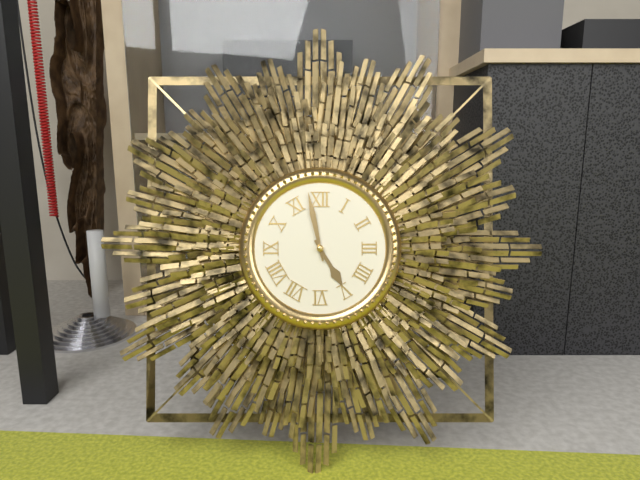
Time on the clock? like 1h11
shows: 4h58
